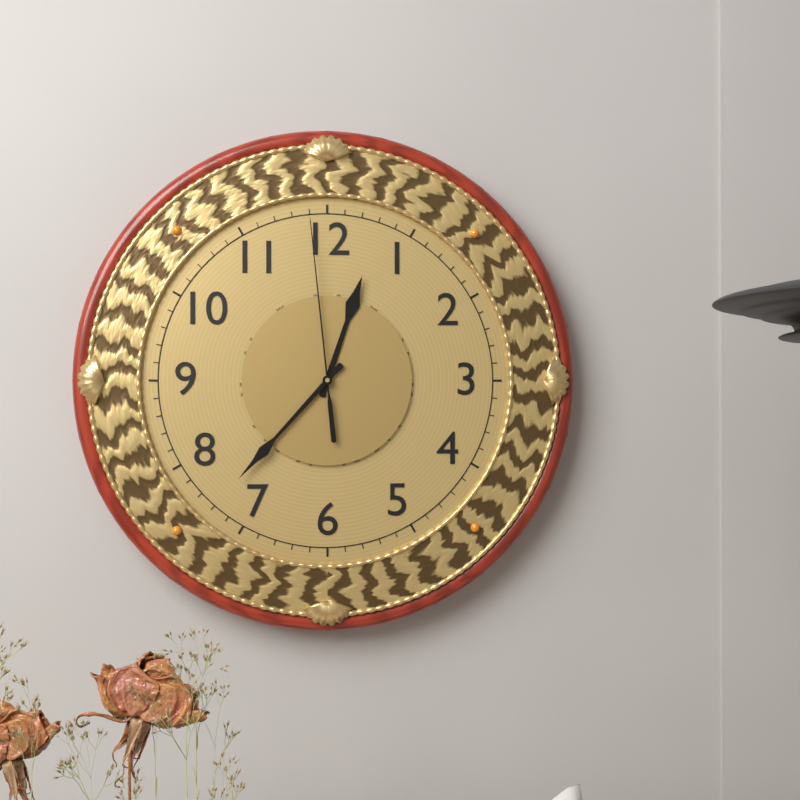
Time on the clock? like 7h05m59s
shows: 12h37m59s
